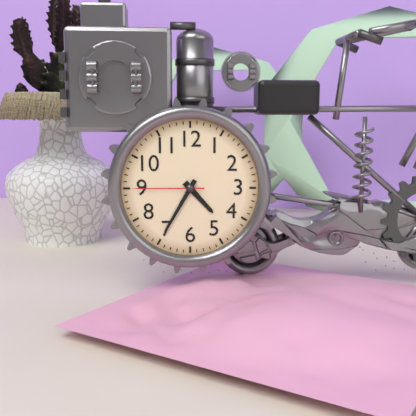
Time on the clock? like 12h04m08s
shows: 4h35m45s
